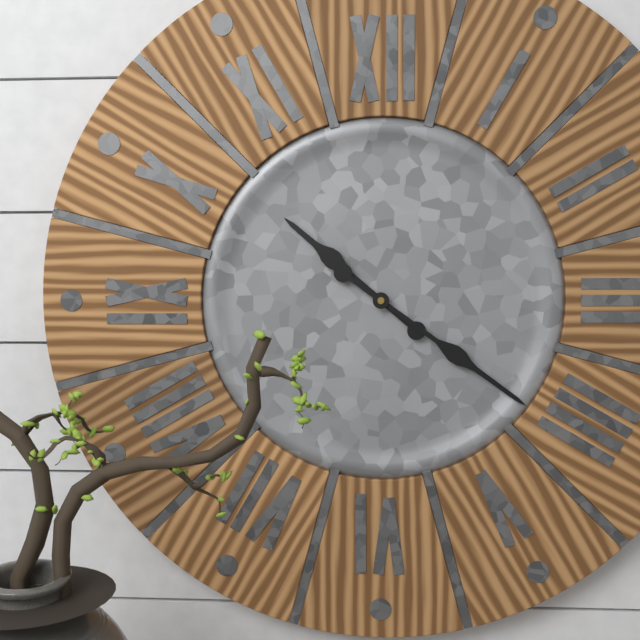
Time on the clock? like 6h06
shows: 10h21
